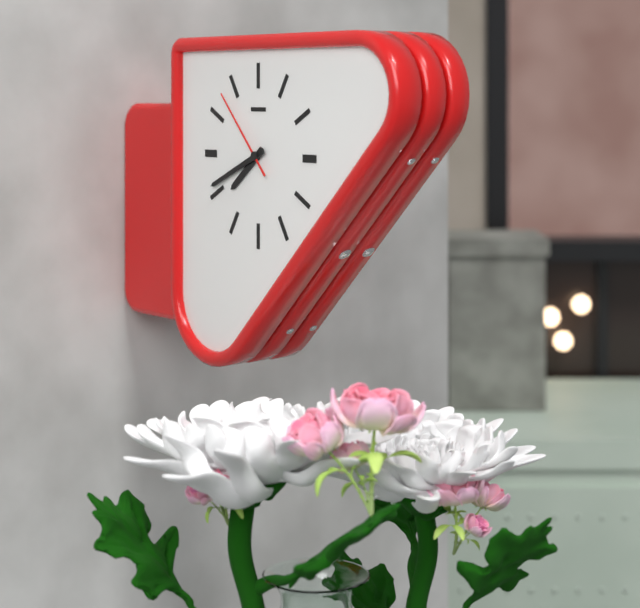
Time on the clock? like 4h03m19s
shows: 7h41m53s
